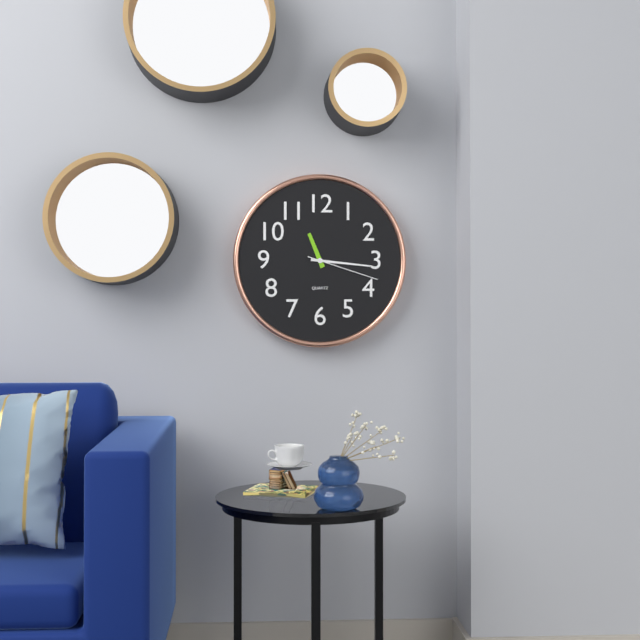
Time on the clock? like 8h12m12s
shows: 11h16m18s
